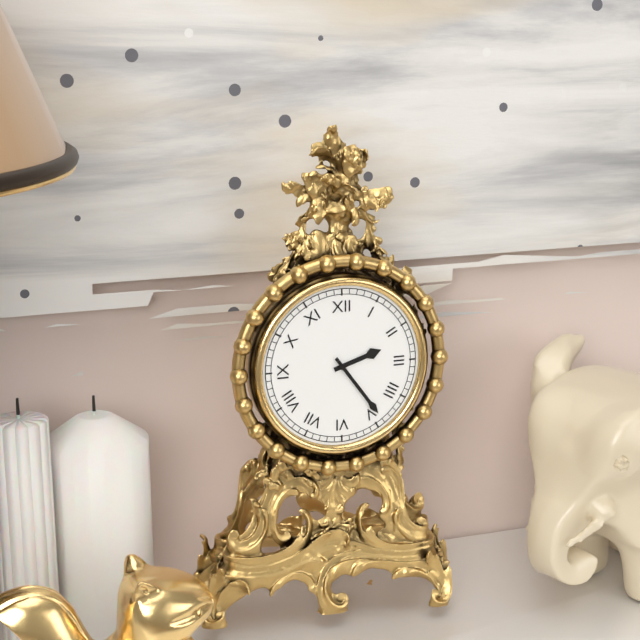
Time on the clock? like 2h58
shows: 2h24
